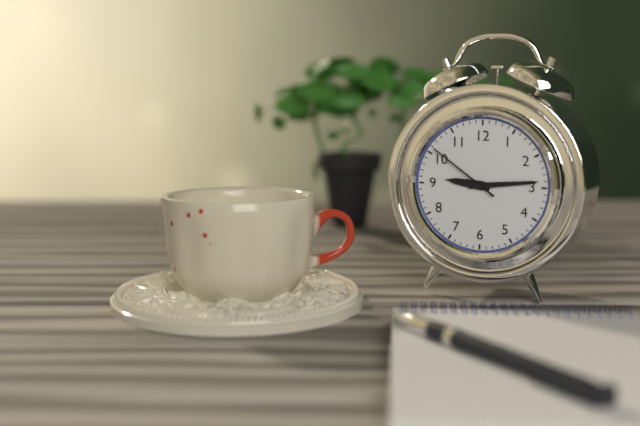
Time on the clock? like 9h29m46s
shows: 9h14m51s
